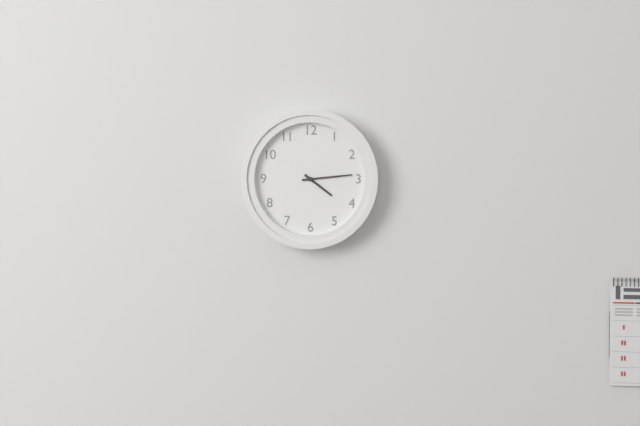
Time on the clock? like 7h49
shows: 4h14
